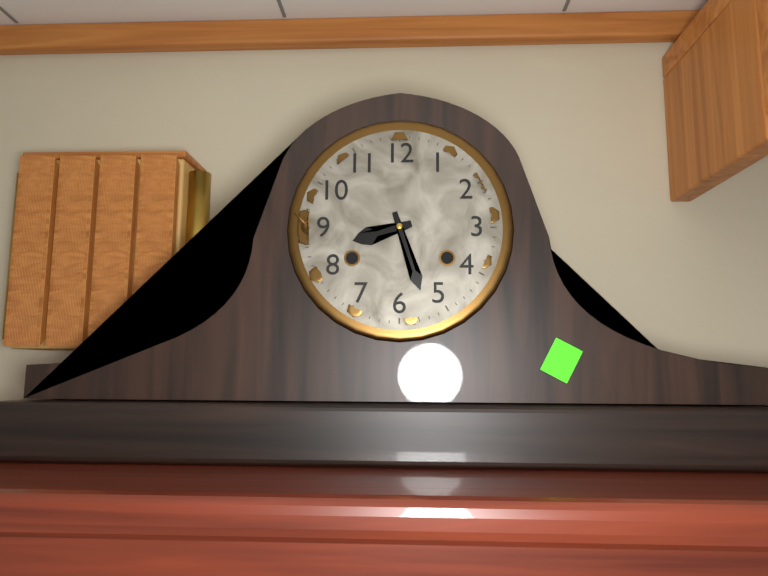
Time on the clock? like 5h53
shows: 8h27
